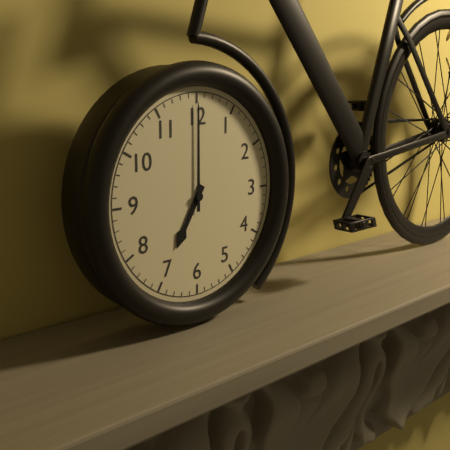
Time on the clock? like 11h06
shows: 7h00
